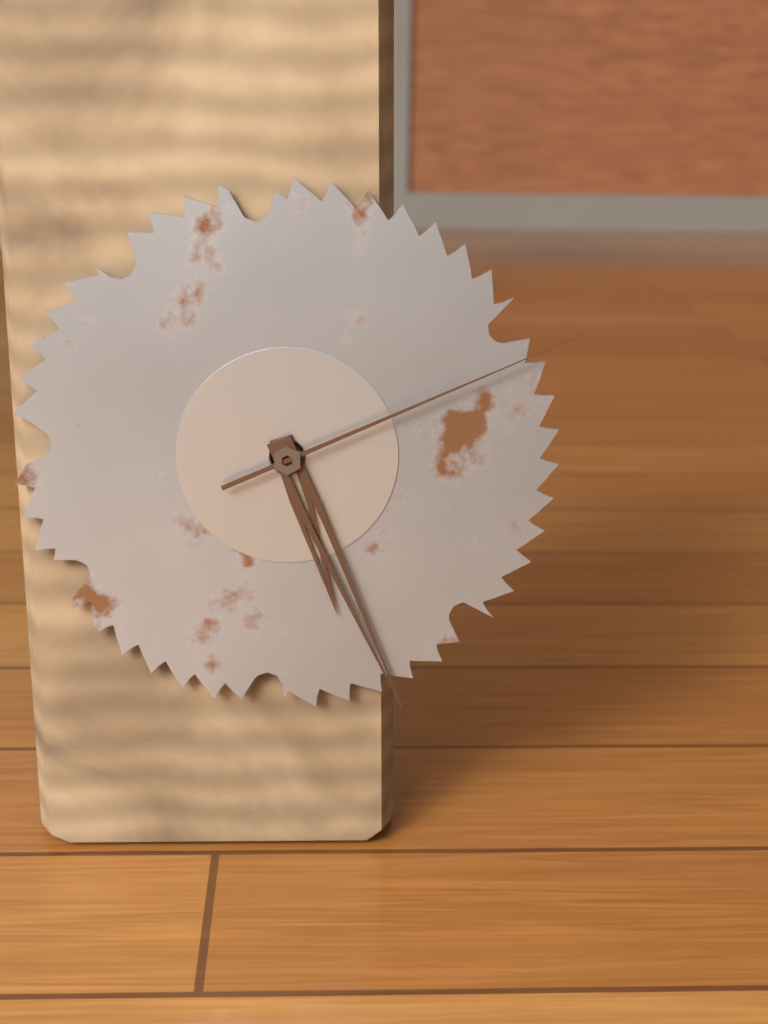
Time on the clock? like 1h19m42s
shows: 5h26m11s
